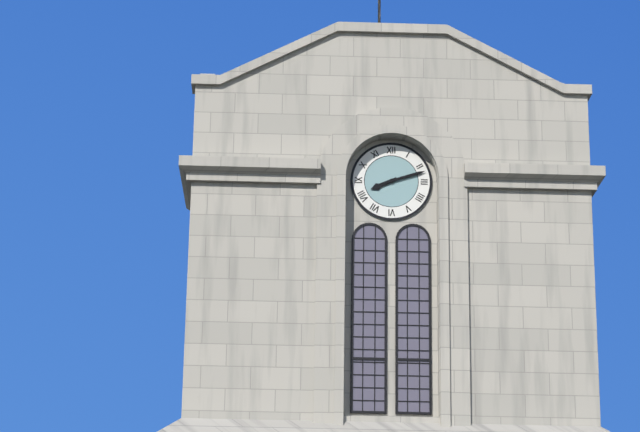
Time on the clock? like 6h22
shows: 8h12
